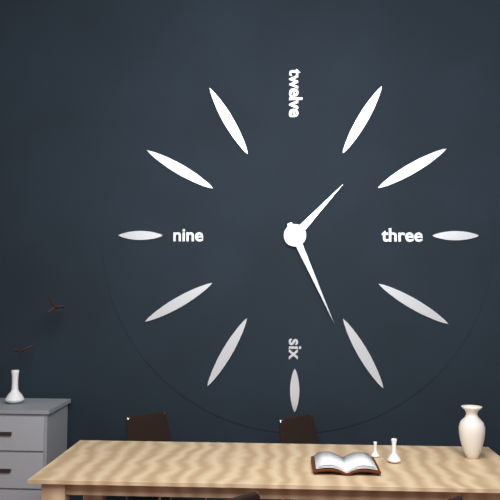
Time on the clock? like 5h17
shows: 1h26
